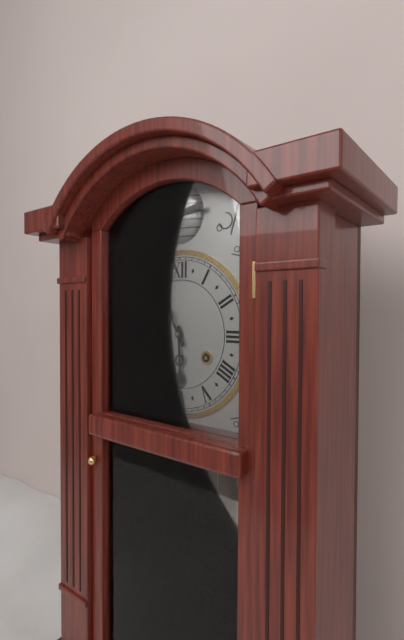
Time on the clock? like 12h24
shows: 5h55
